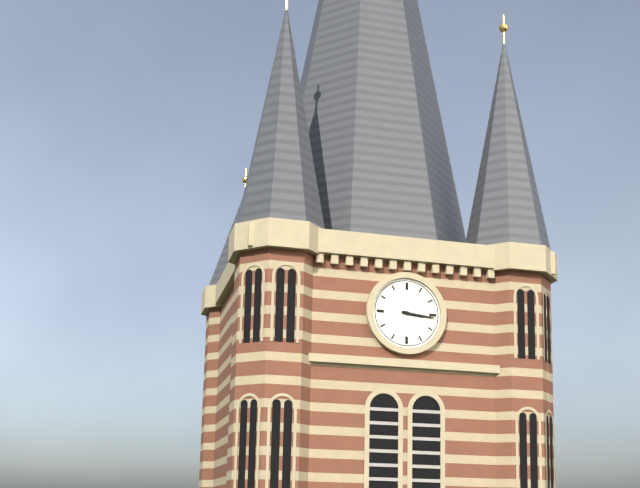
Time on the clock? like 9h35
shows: 3h16
